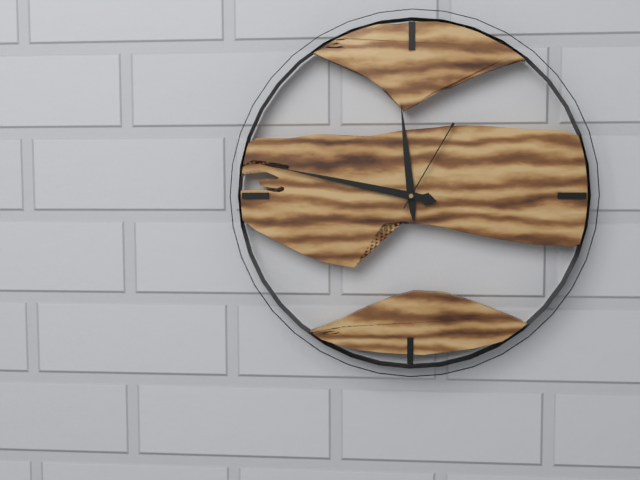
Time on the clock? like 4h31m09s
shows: 11h47m05s
